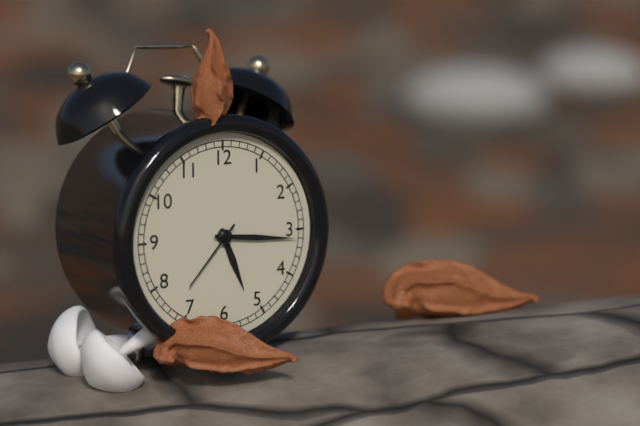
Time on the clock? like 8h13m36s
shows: 5h16m37s
